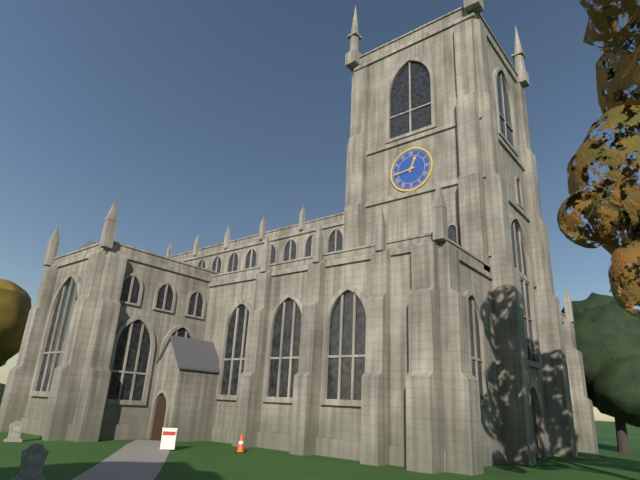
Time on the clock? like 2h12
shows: 12h44
